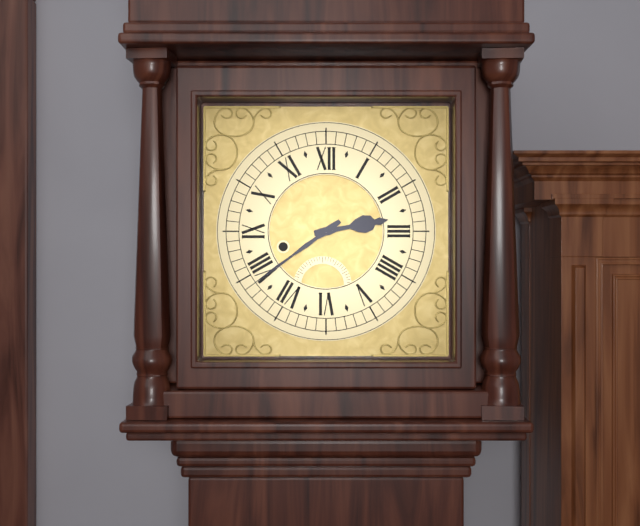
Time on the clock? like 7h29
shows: 2h39
